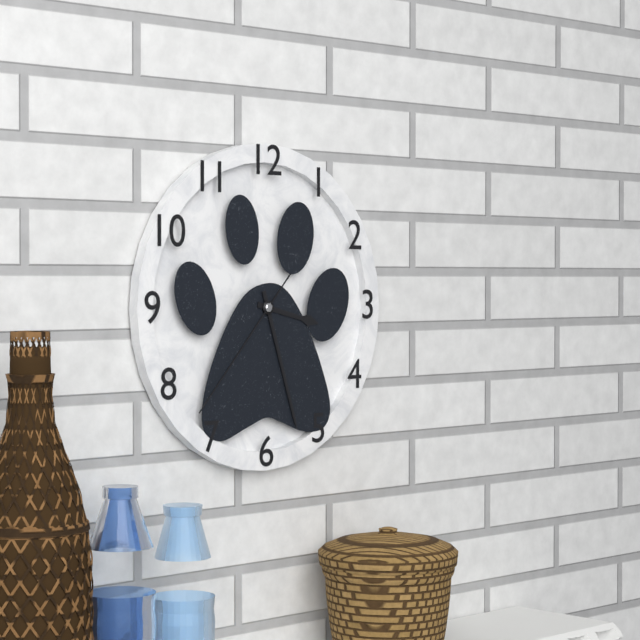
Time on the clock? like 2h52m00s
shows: 3h27m37s
